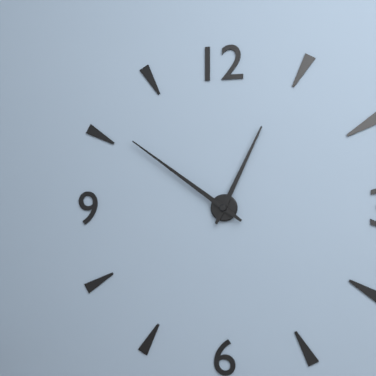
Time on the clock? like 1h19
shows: 12h51
